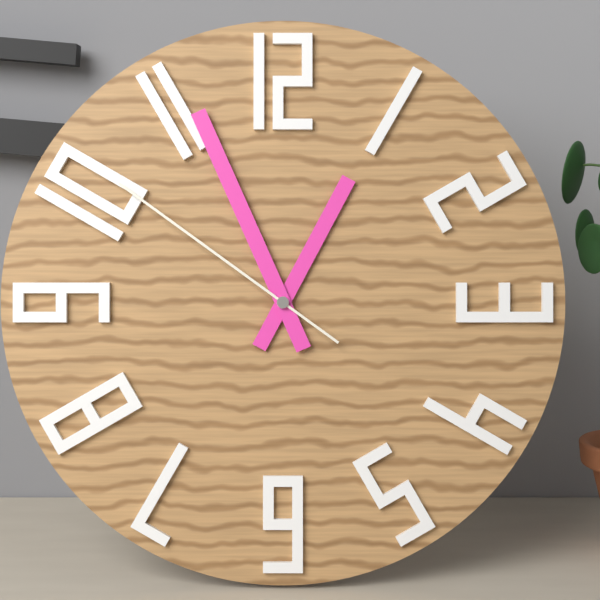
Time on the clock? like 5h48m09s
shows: 12h56m51s
